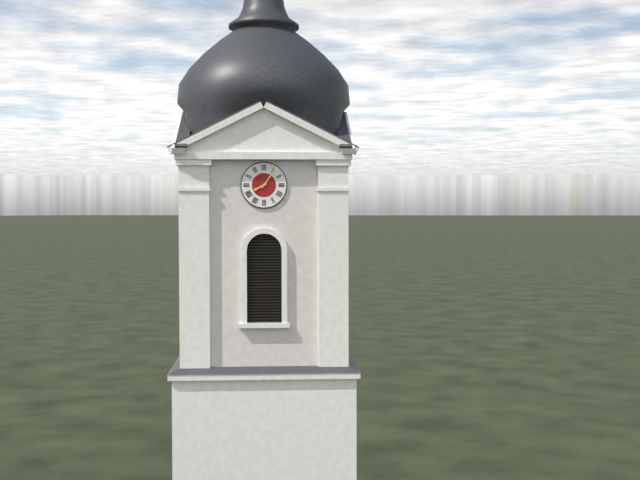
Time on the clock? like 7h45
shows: 8h06
